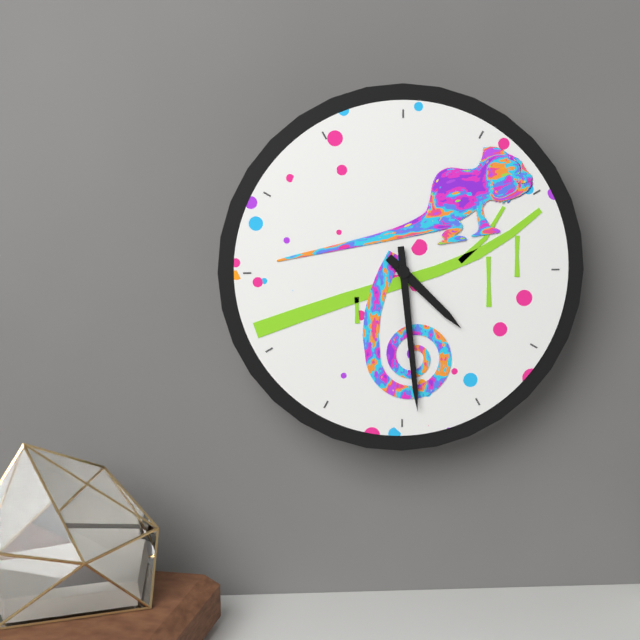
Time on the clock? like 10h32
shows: 4h29
